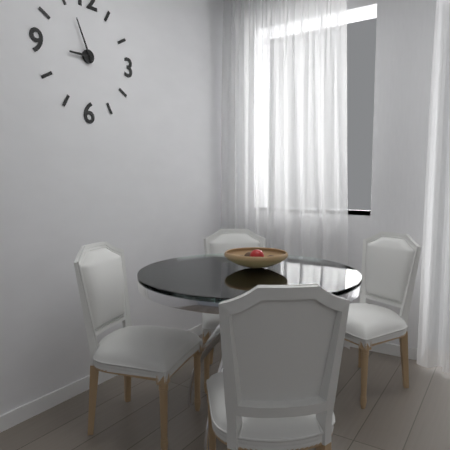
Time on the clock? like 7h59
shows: 8h56
